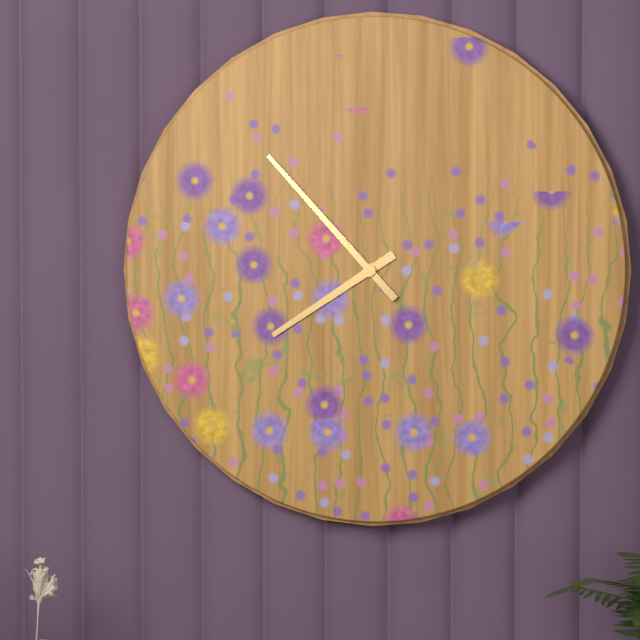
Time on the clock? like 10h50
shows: 7h53
